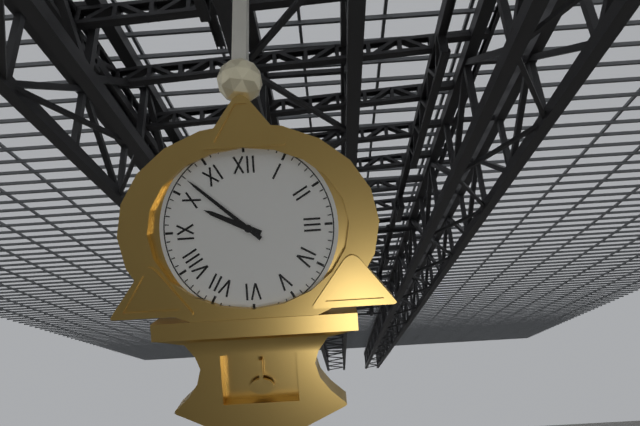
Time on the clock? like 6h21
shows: 9h52
